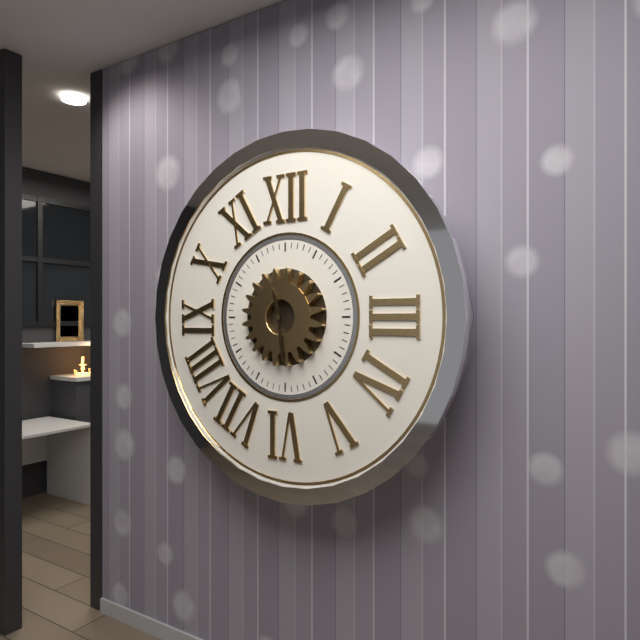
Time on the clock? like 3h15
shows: 11h29
